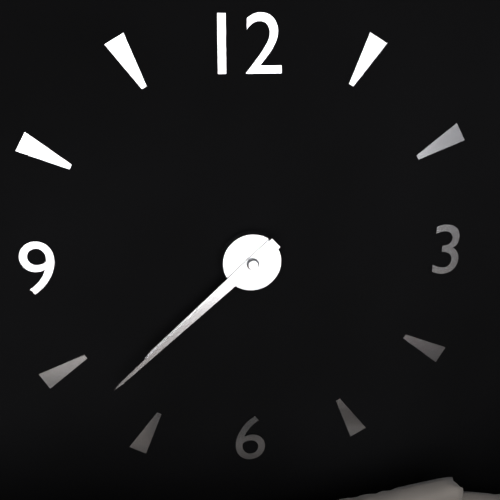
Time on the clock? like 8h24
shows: 7h38
